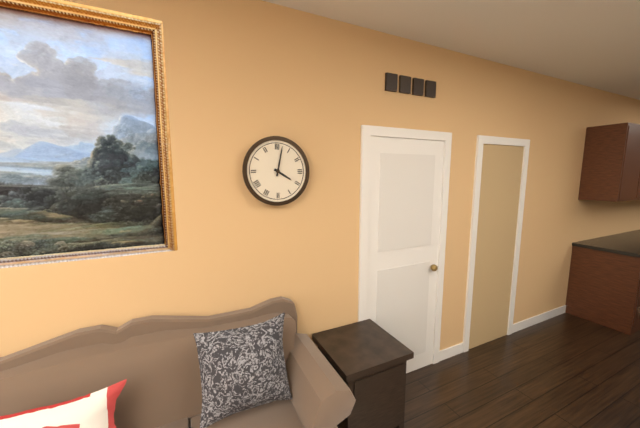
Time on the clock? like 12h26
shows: 4h02
